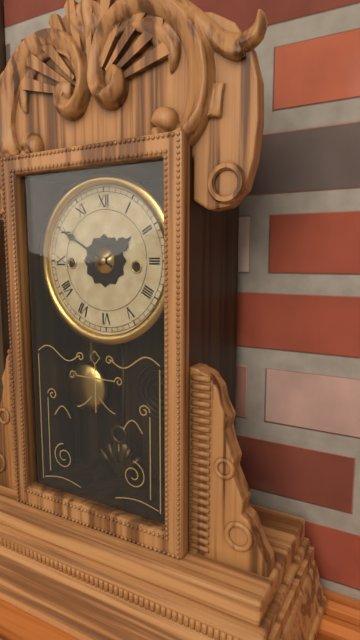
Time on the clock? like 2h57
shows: 1h50
